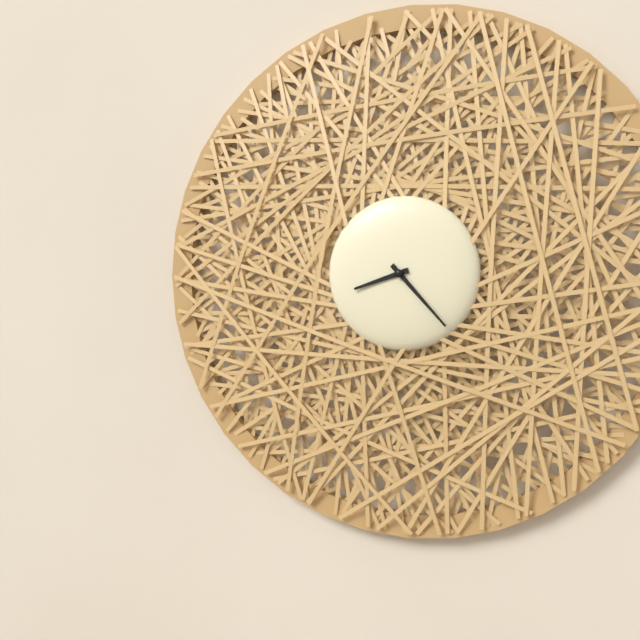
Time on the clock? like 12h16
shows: 8h23
